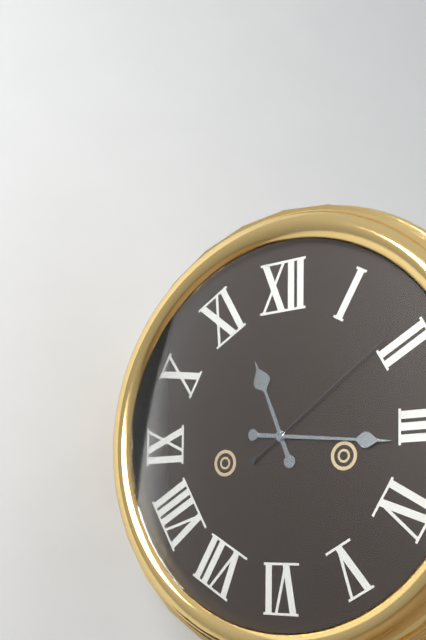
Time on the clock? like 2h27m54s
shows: 11h16m09s
